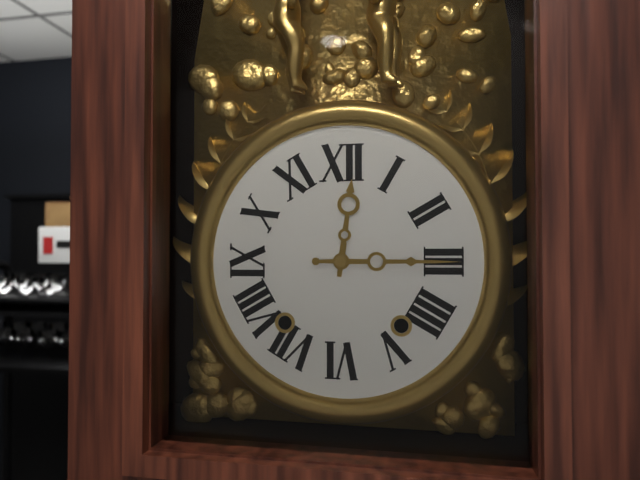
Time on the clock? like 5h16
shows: 12h15
